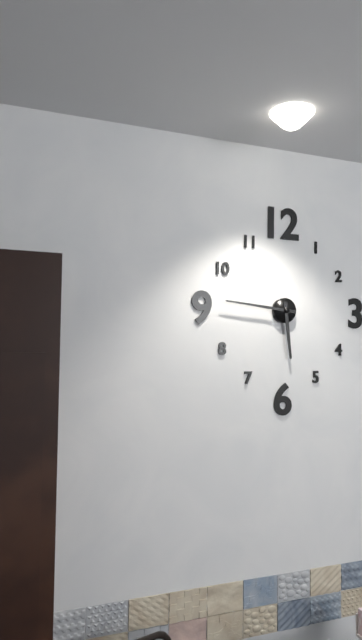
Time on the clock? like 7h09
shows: 5h46
